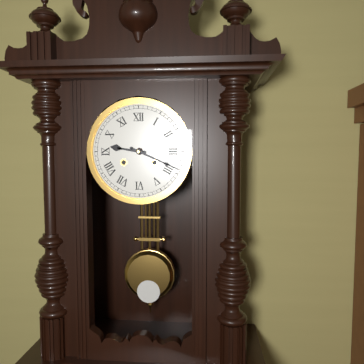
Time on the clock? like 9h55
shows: 9h19
